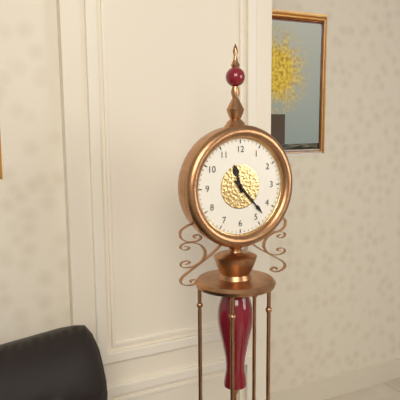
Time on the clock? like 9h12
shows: 11h23
